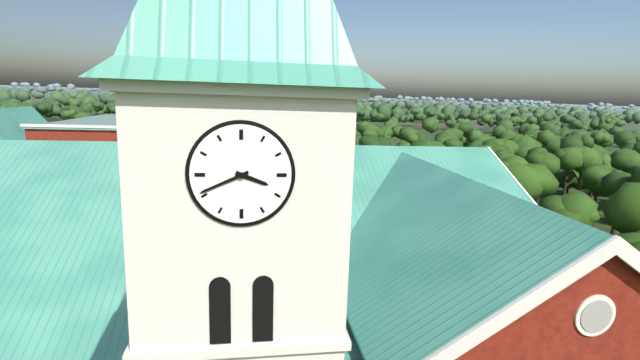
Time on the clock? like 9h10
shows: 3h41
